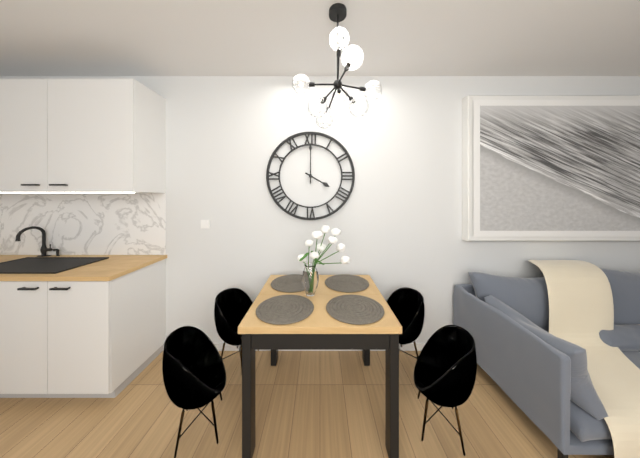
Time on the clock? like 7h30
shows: 4h00
